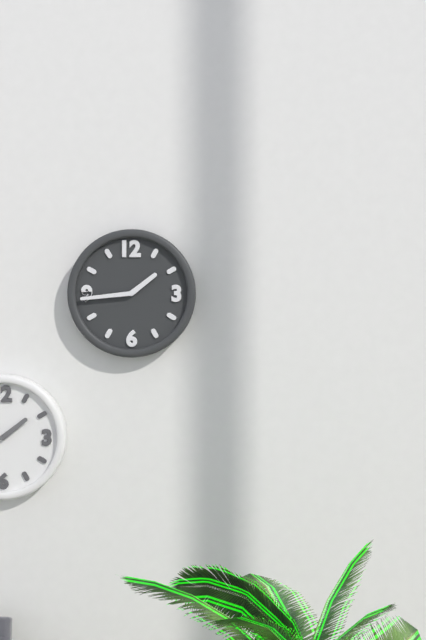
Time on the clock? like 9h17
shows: 1h44
